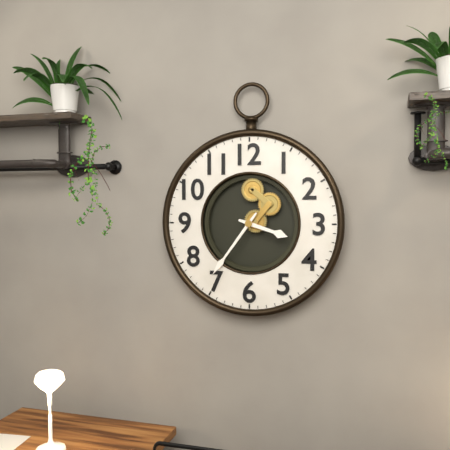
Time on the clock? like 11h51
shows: 3h36
